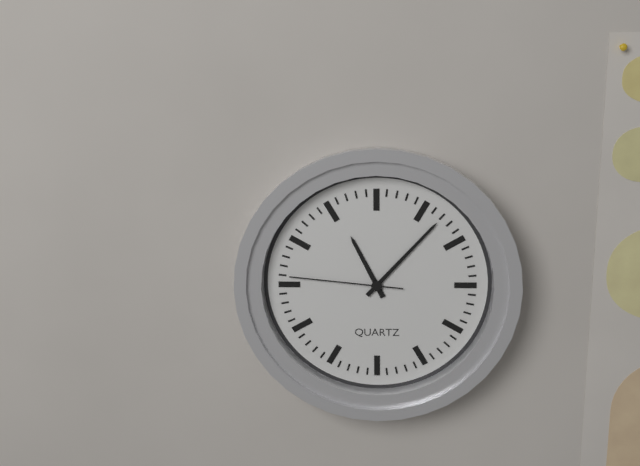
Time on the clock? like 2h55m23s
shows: 11h07m46s
